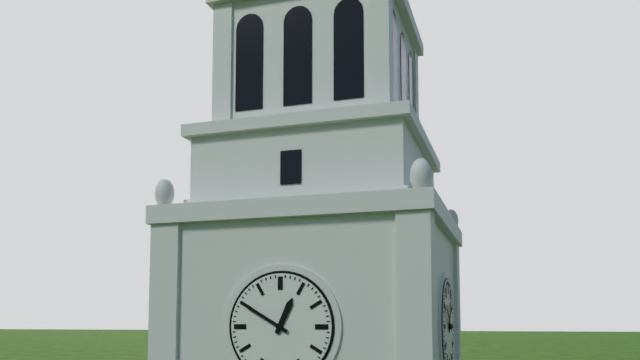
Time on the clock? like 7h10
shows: 12h50
